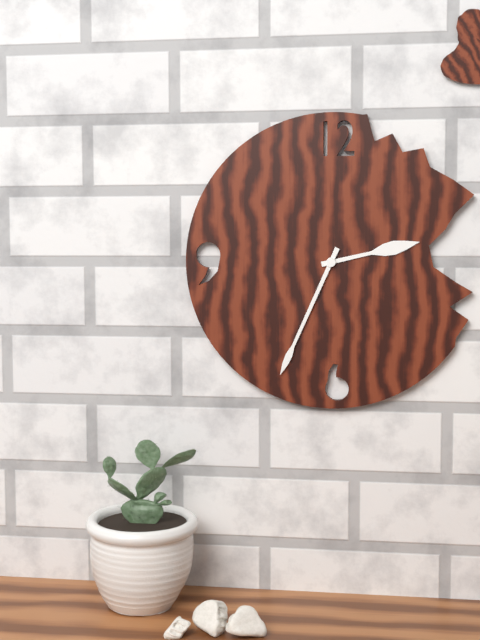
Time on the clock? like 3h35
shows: 2h34
